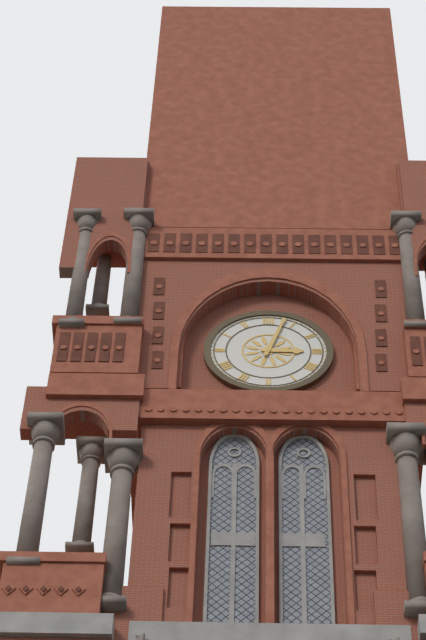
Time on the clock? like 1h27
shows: 3h03
